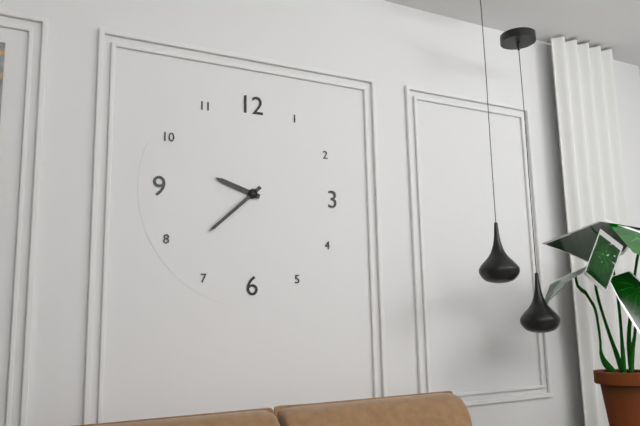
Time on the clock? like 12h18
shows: 9h38
